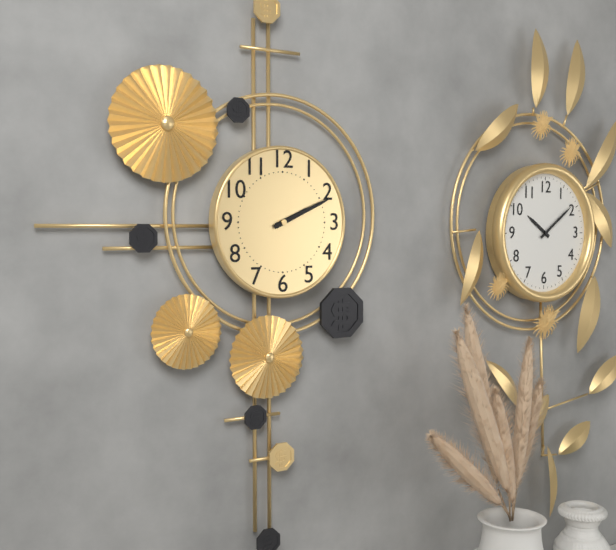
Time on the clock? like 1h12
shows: 2h11
